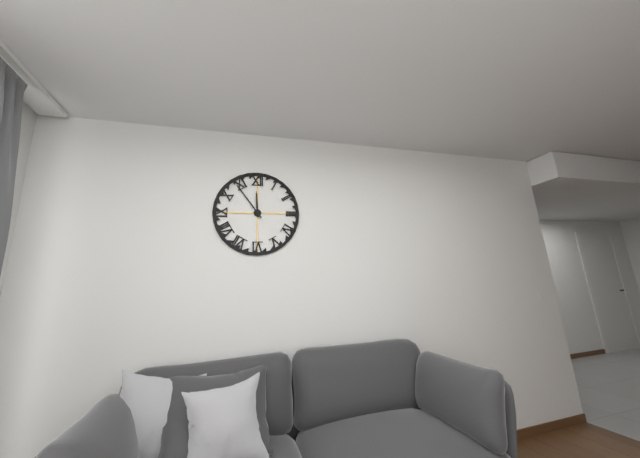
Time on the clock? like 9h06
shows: 11h54
